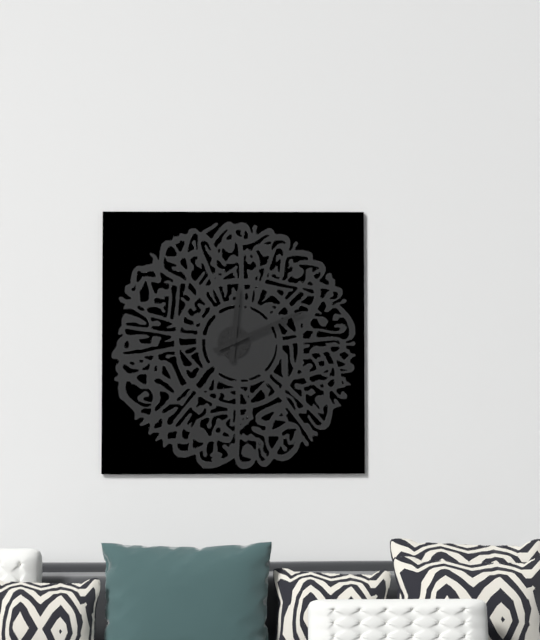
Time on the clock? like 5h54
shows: 12h11
